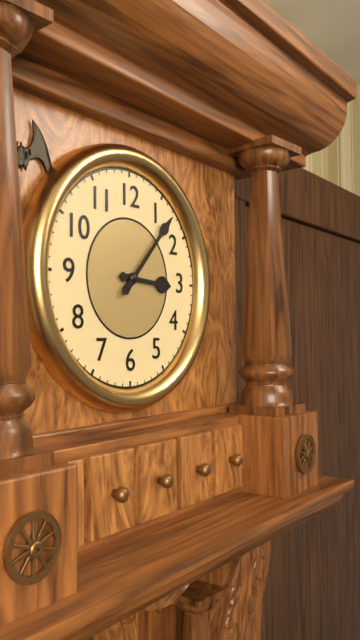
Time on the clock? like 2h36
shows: 3h07
